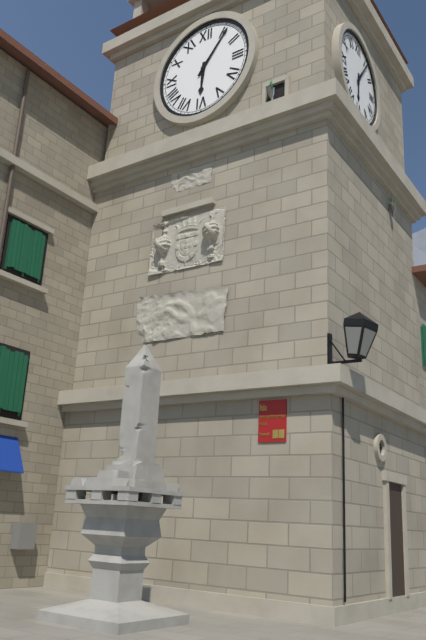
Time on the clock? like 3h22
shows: 6h06
